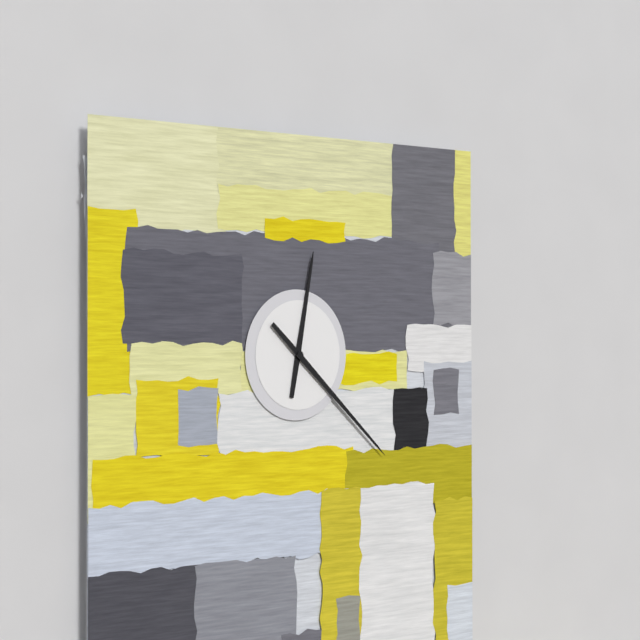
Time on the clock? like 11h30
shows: 12h22
